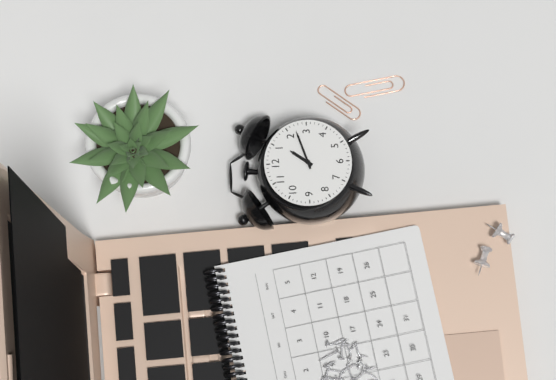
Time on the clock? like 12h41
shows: 1h12
